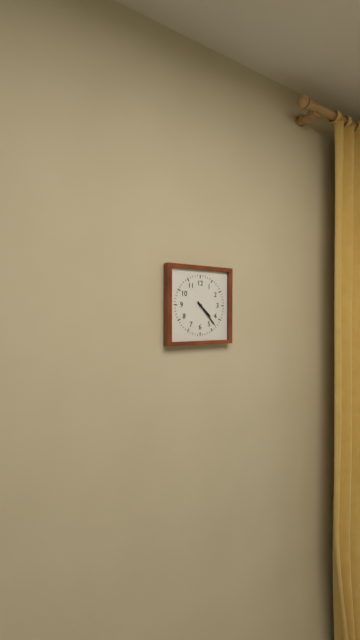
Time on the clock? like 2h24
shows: 4h23
